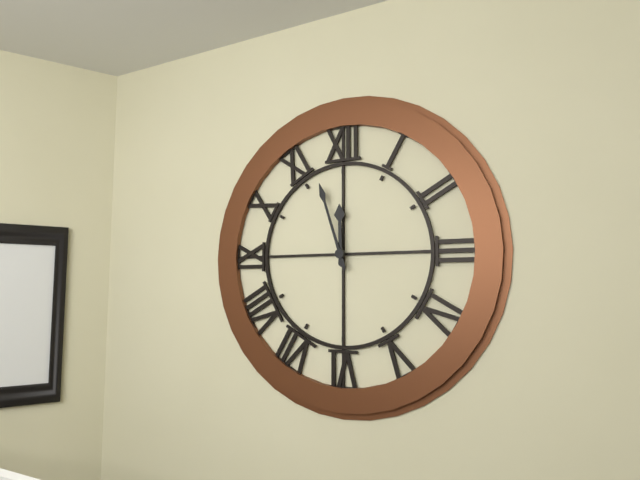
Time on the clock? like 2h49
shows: 11h57
